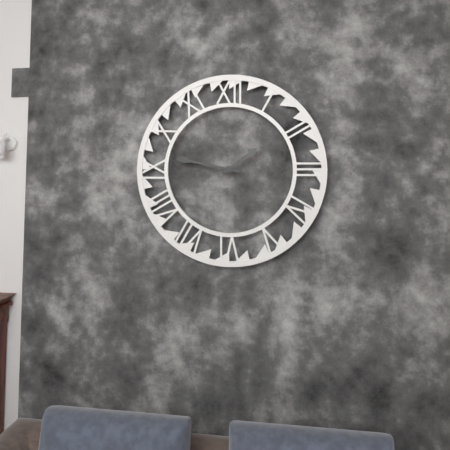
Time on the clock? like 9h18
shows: 1h47
